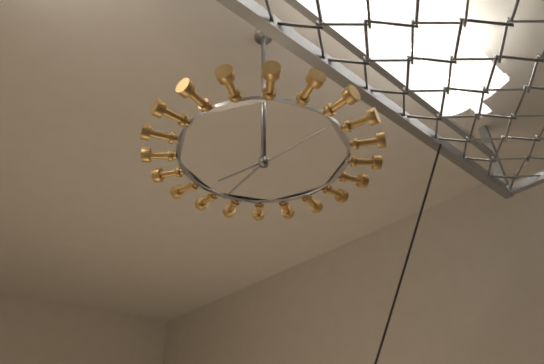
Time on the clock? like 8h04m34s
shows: 6h29m01s
